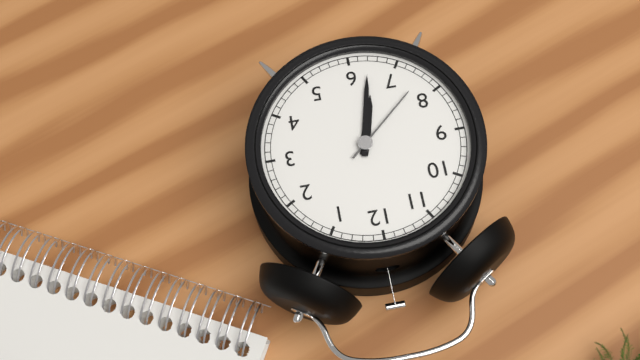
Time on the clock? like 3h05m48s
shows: 6h32m38s
